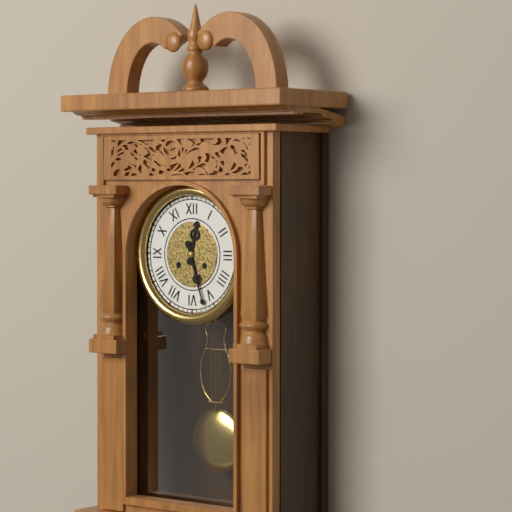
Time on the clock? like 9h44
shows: 12h27
